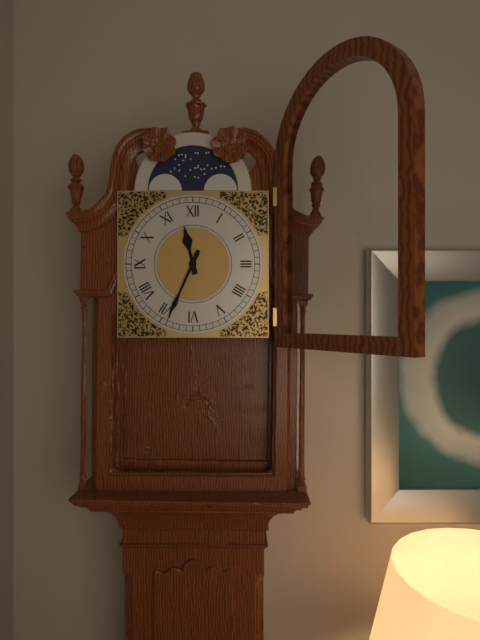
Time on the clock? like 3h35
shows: 11h34
